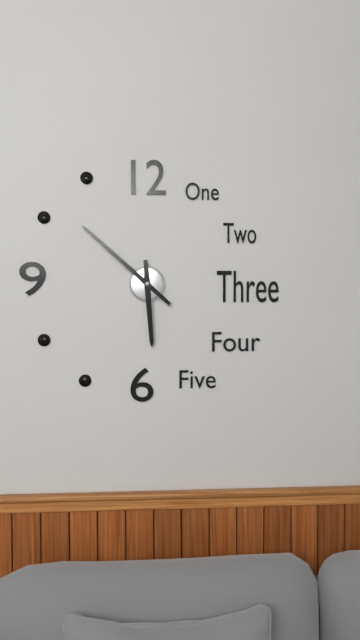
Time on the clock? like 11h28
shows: 5h52
